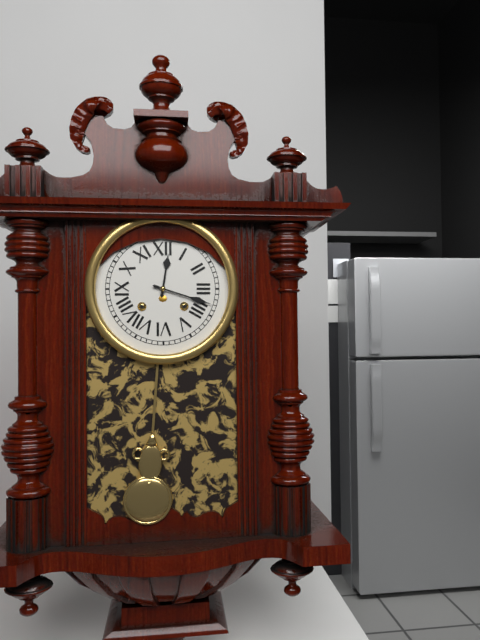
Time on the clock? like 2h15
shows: 12h18
